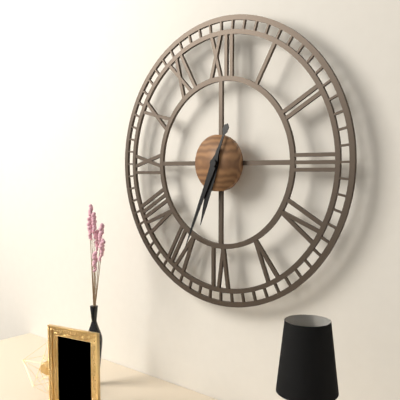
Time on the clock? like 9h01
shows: 6h34
